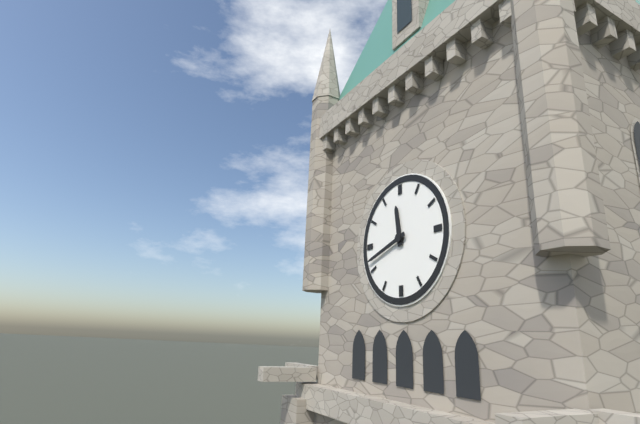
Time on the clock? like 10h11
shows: 11h42
